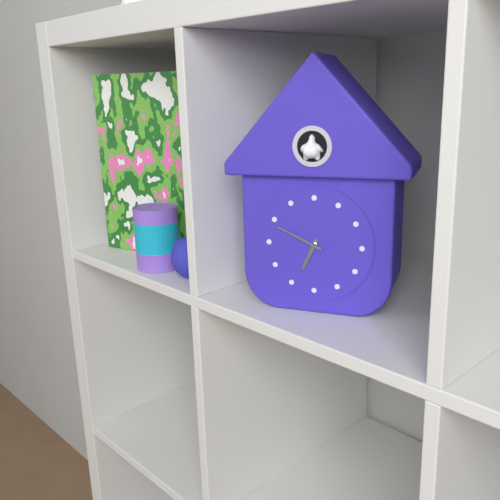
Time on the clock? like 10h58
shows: 6h49
